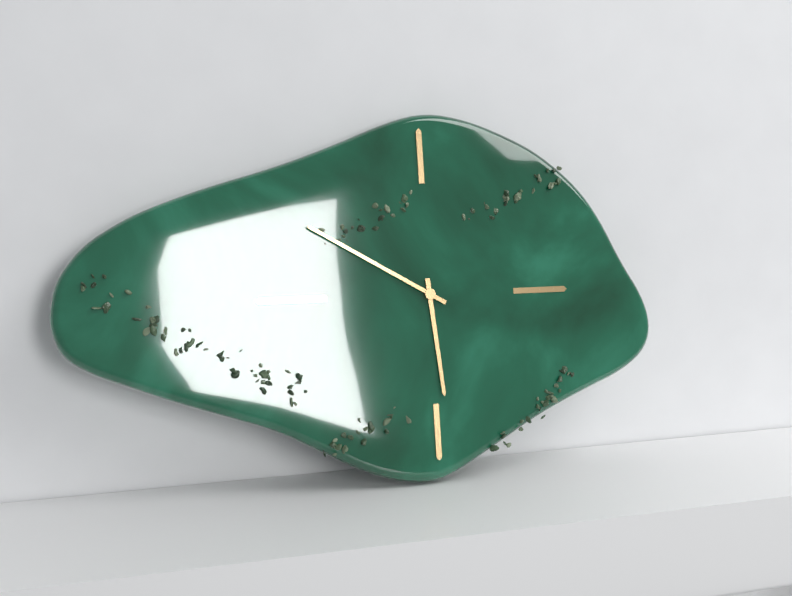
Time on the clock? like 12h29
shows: 5h50
